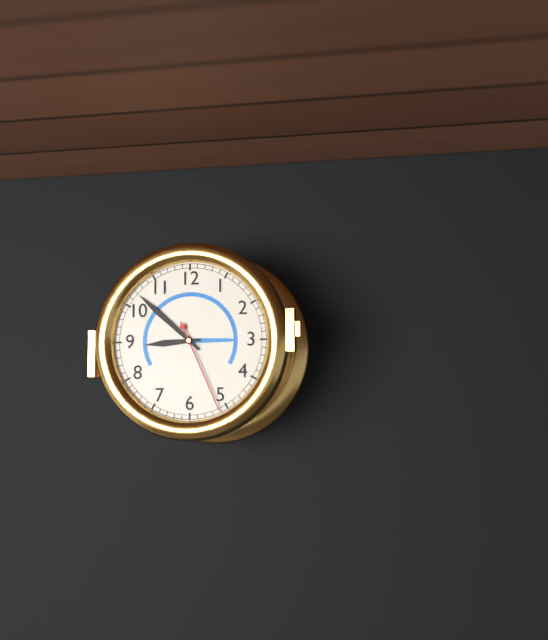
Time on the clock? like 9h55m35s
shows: 8h52m26s
